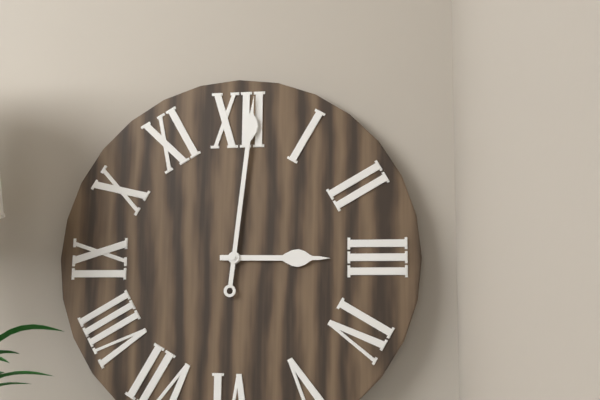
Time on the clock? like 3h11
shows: 3h01
